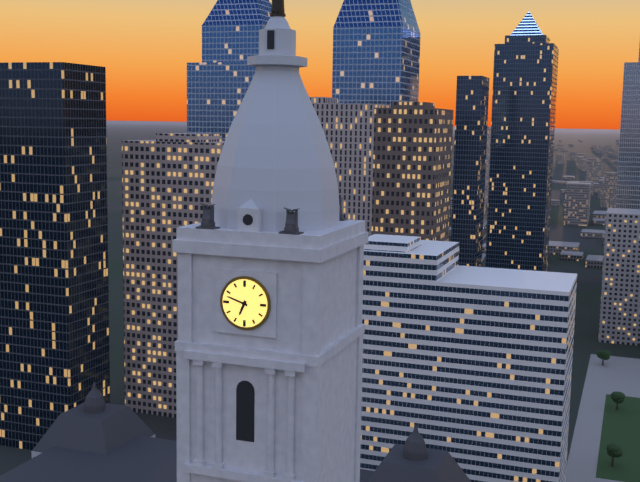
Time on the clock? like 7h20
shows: 6h48
